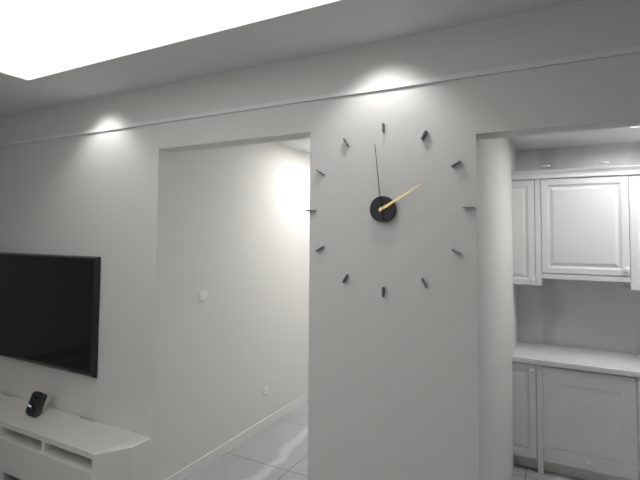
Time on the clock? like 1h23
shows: 1h59
